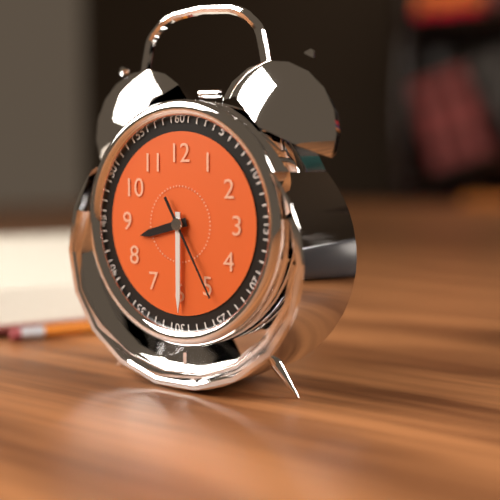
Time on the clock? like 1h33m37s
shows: 8h30m25s
